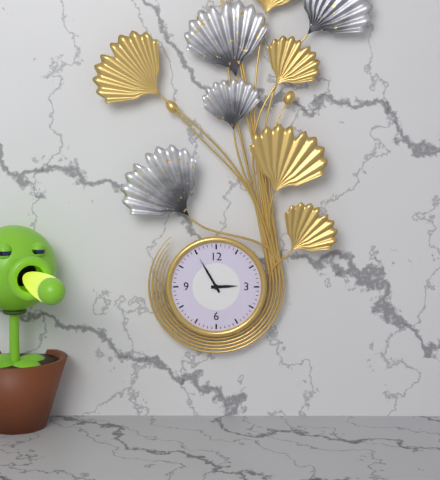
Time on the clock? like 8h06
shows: 2h55
